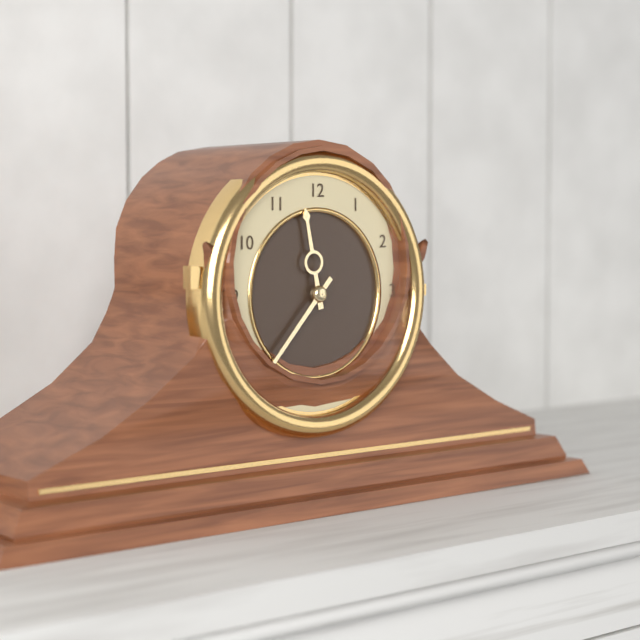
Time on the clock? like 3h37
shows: 11h37
